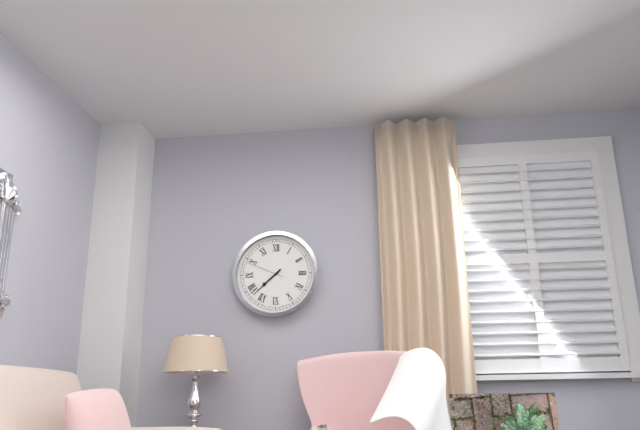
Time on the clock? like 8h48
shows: 7h38
